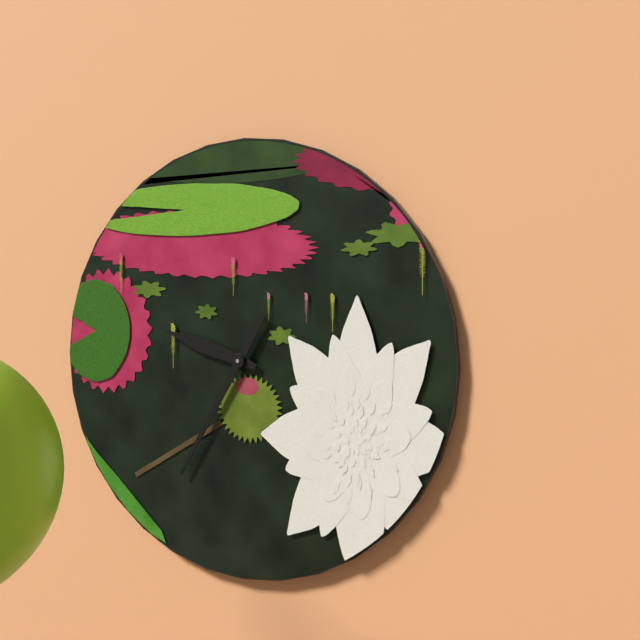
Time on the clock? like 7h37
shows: 9h35
